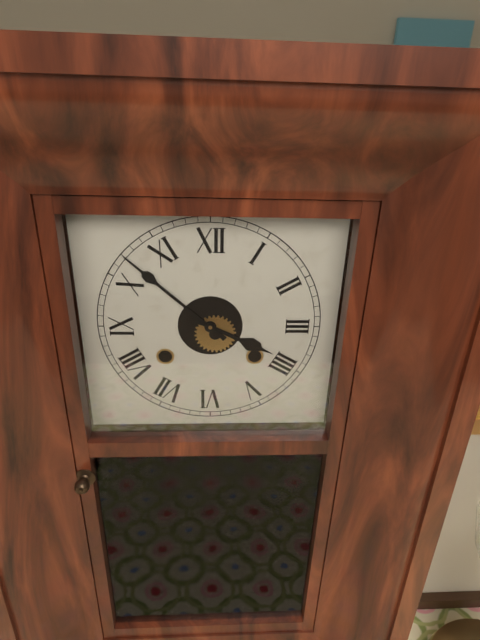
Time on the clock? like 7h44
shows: 3h52
